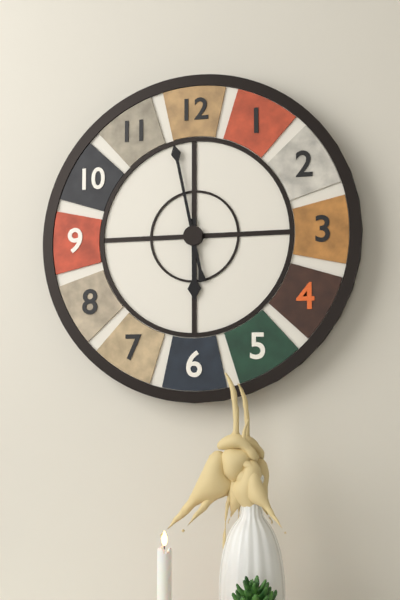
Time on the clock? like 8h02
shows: 5h58
